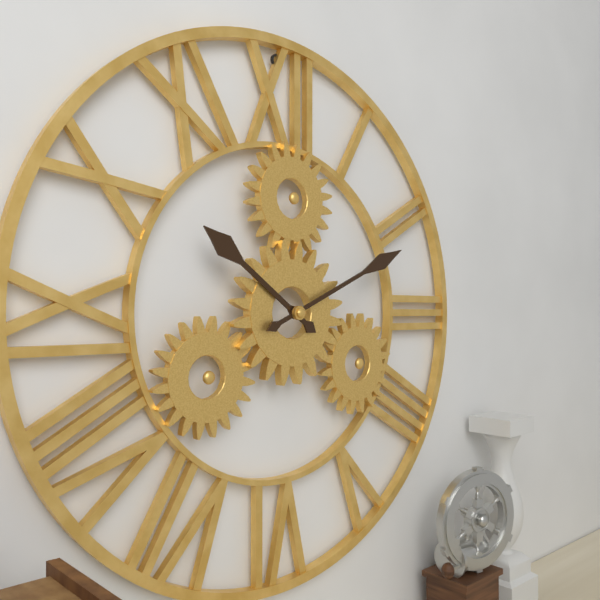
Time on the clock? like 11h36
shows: 10h11
